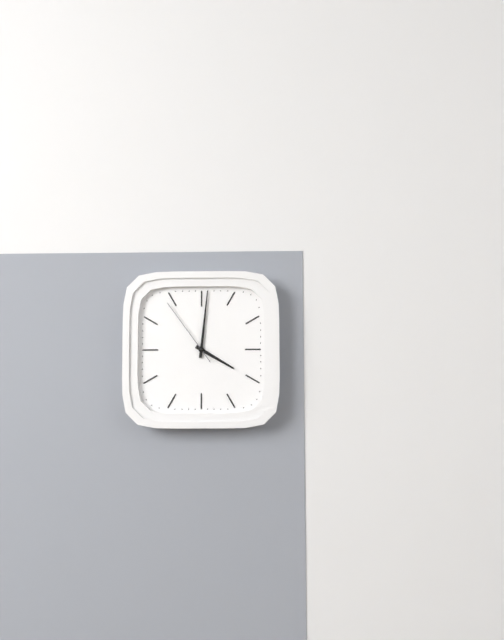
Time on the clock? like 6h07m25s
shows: 4h01m54s
